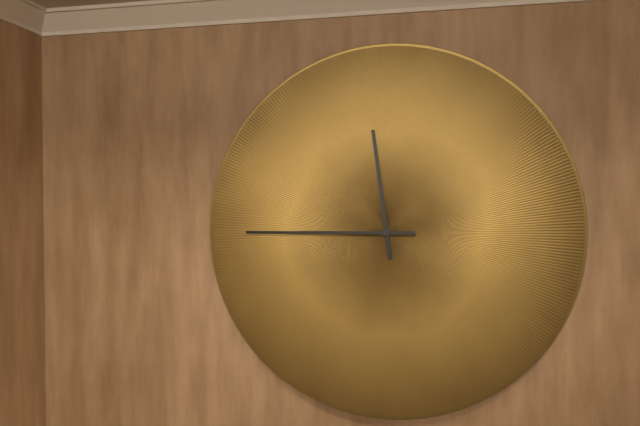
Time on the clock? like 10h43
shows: 11h45
